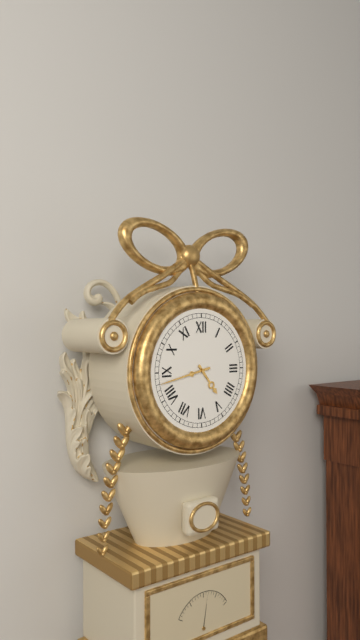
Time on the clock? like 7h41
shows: 4h43
